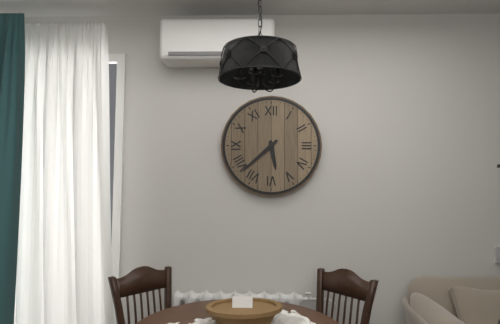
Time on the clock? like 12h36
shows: 5h38
